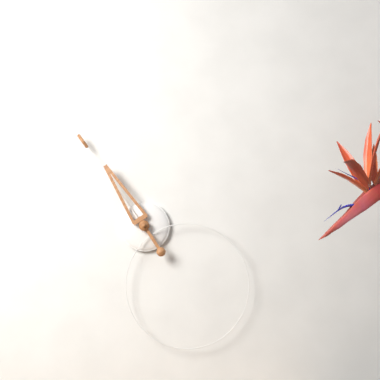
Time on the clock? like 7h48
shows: 10h54
